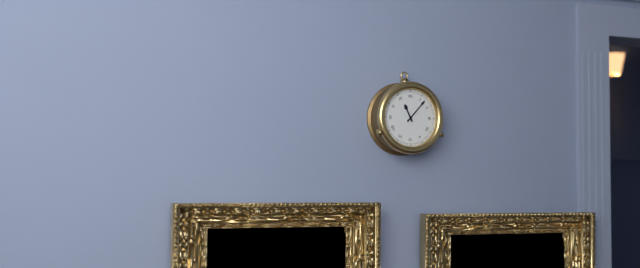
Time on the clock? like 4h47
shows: 11h07
